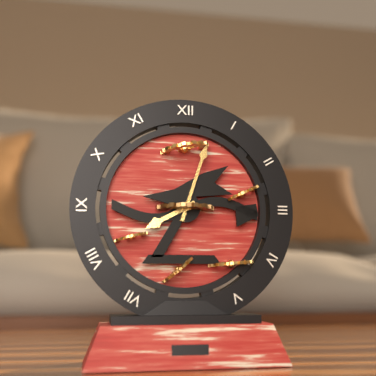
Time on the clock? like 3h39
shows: 8h03
